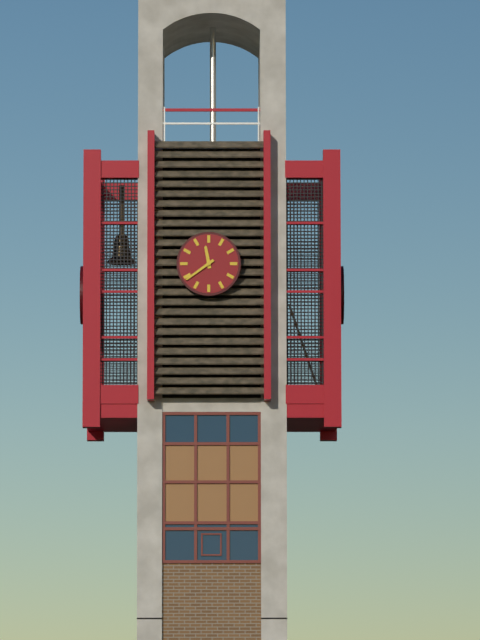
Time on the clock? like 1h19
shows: 11h39
